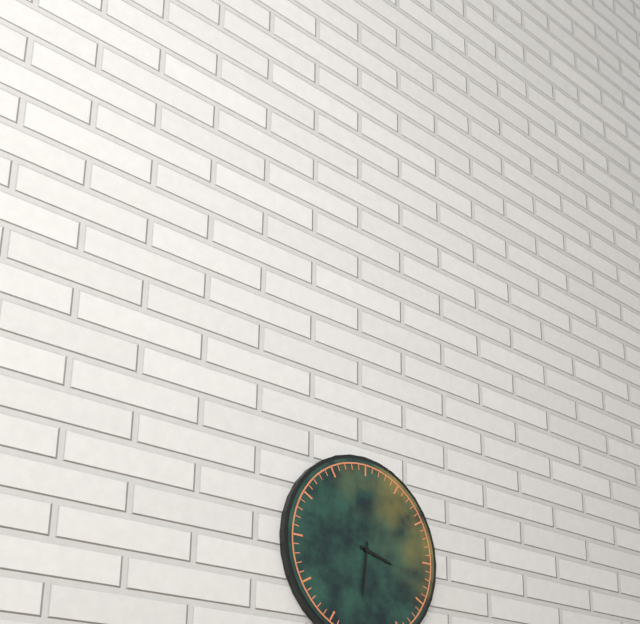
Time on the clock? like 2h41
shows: 3h31
